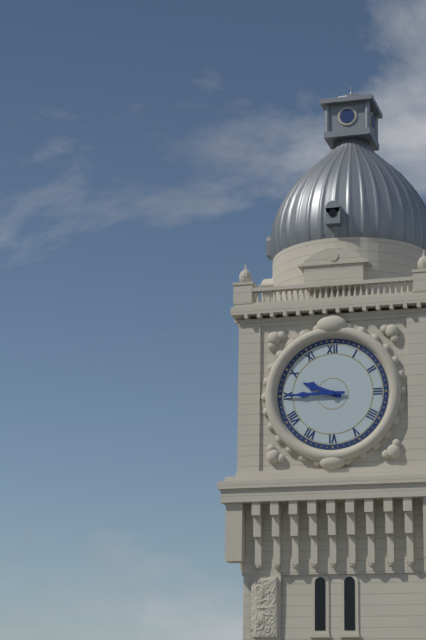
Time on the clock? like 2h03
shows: 9h45
